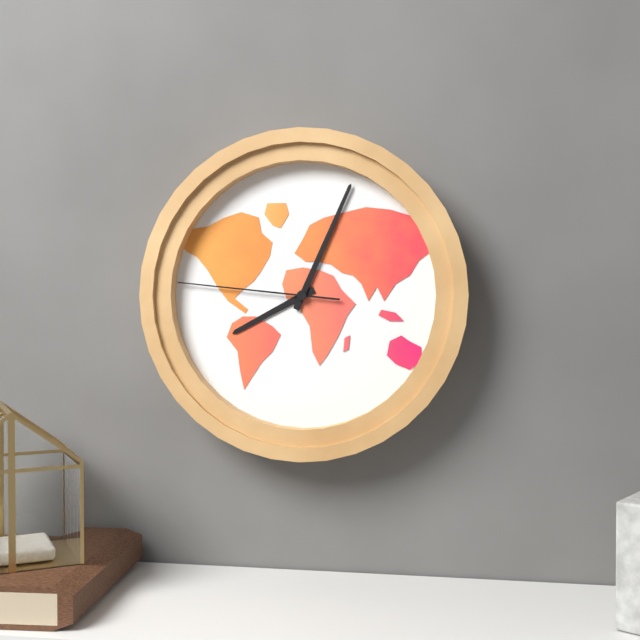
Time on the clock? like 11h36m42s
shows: 8h04m46s
